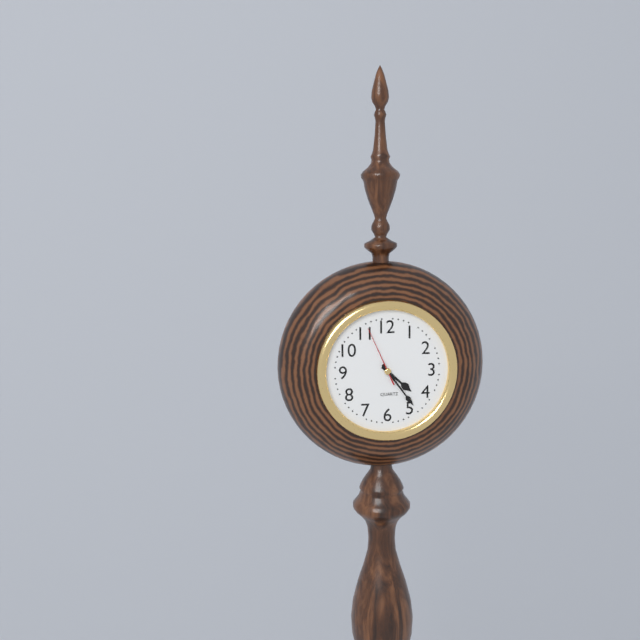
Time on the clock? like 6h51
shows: 4h24
